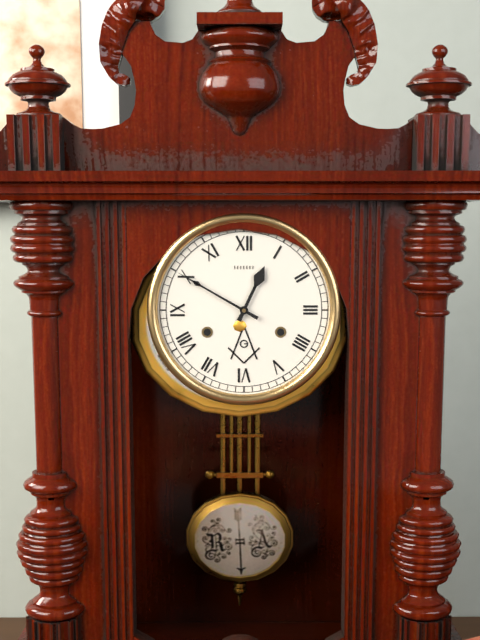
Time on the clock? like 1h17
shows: 12h50
